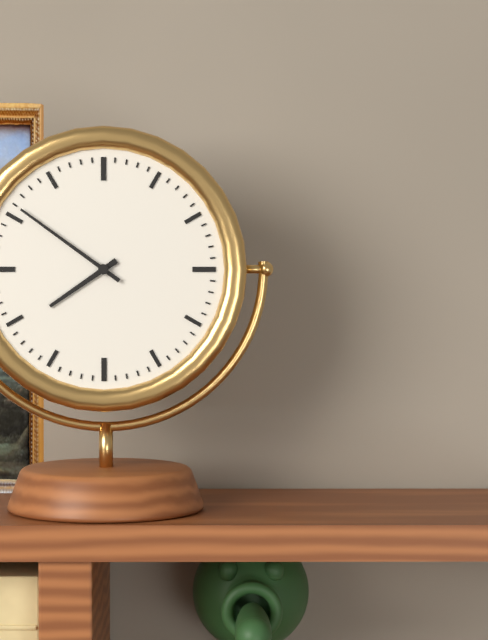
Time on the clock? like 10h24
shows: 7h51
